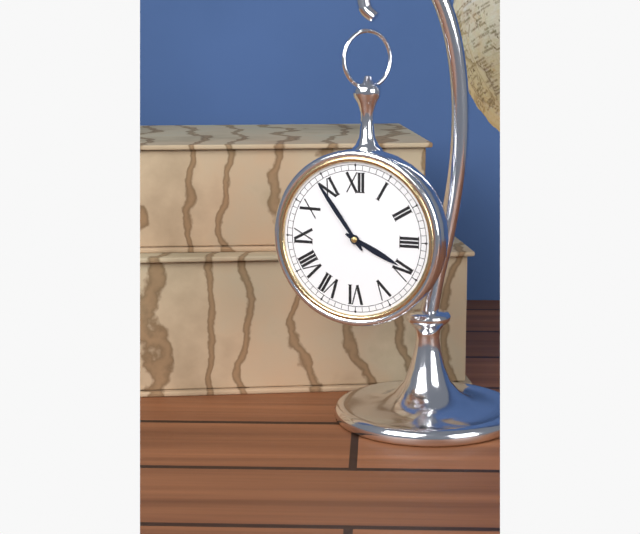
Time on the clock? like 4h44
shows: 3h54
